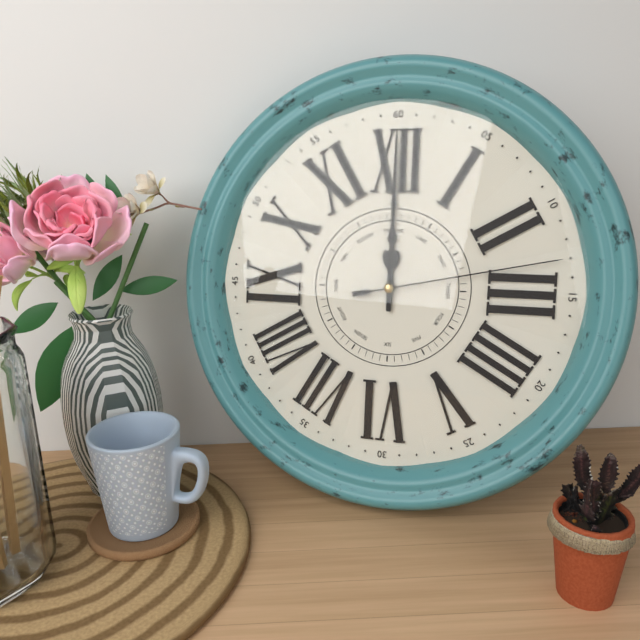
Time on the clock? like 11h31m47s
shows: 12h00m13s
